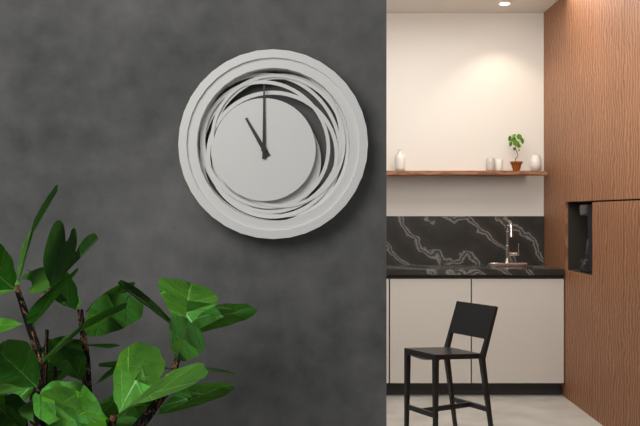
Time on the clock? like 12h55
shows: 11h00
